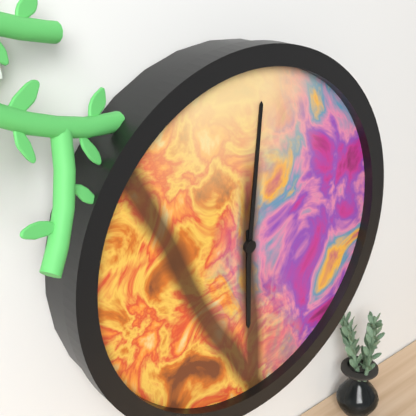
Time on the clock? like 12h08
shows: 6h01
